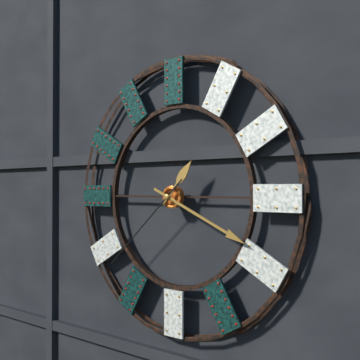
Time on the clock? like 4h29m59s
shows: 1h19m38s
